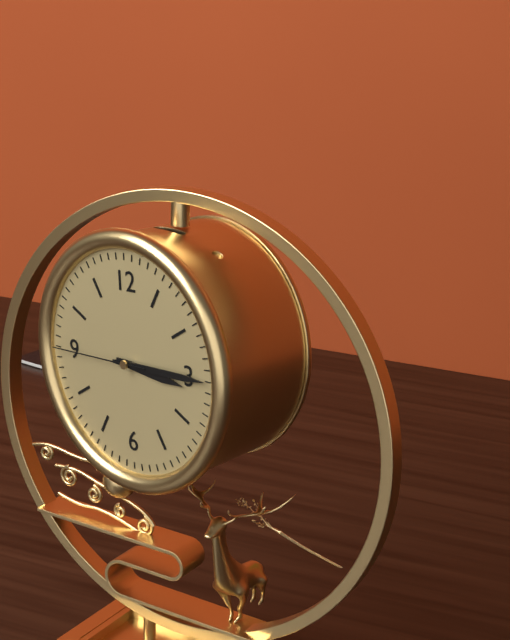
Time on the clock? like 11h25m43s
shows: 3h15m45s
